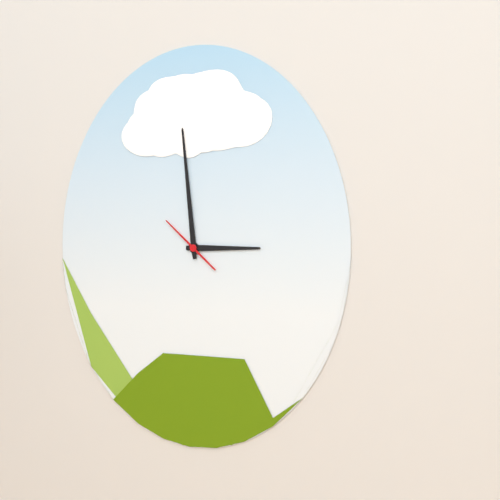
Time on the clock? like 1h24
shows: 2h59
